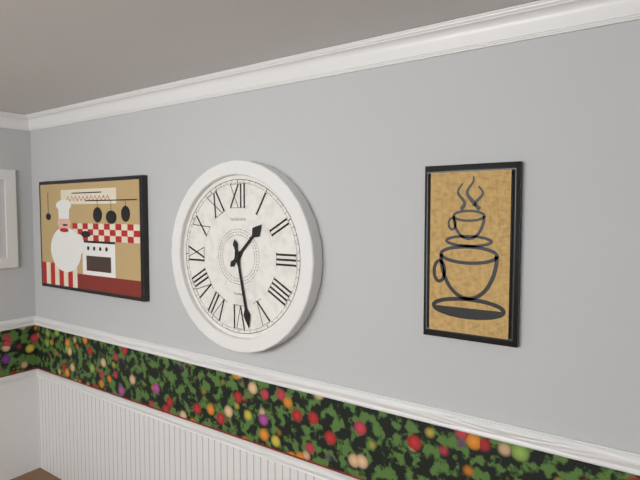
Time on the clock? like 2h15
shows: 1h28
